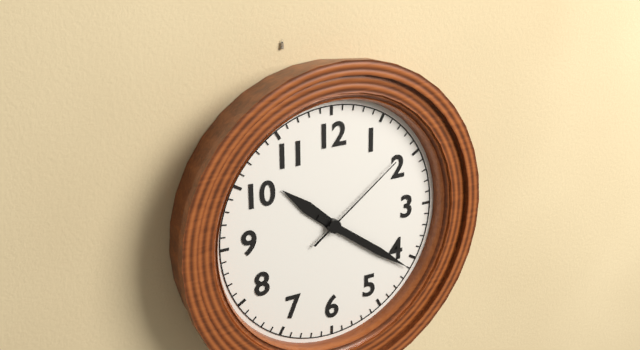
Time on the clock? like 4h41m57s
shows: 10h21m09s
